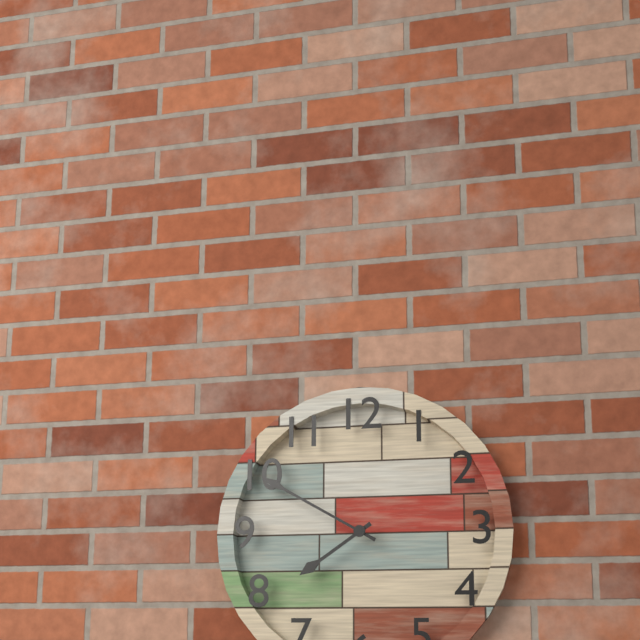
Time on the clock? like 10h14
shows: 7h50
